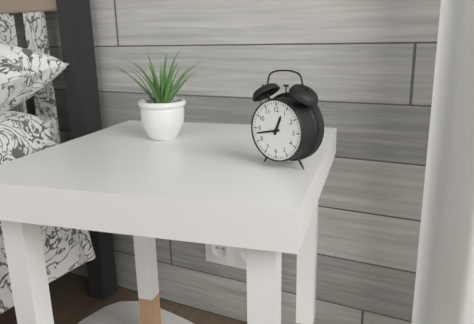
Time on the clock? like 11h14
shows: 12h43
